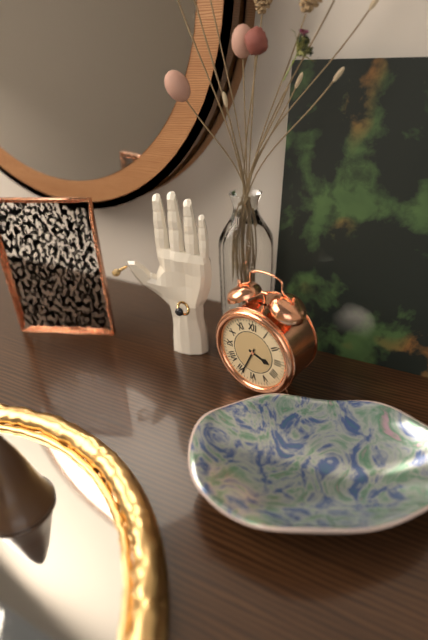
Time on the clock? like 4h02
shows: 3h34
